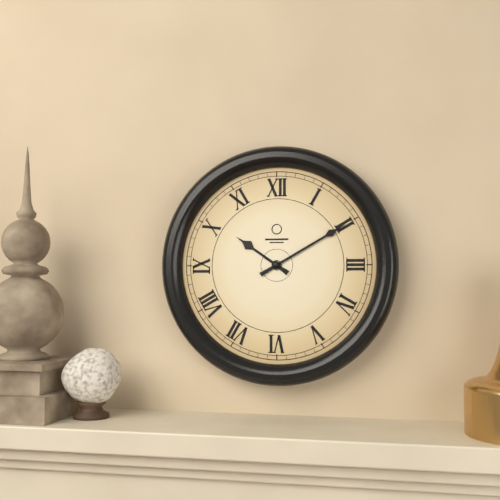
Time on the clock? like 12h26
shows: 10h10
